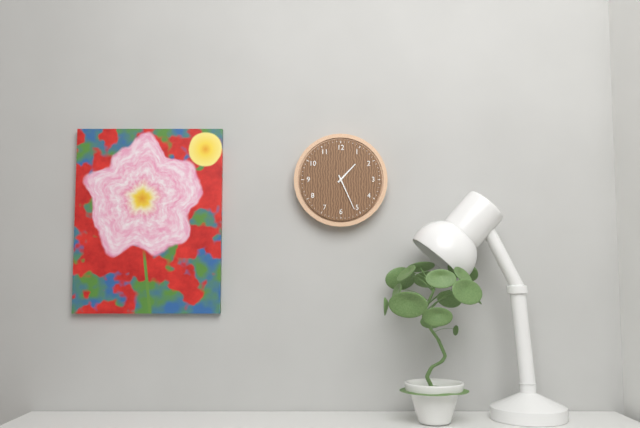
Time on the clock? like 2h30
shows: 1h26
